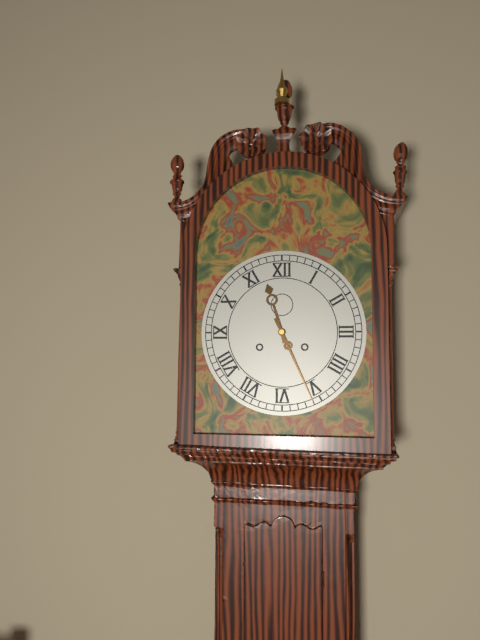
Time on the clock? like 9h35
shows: 11h26
